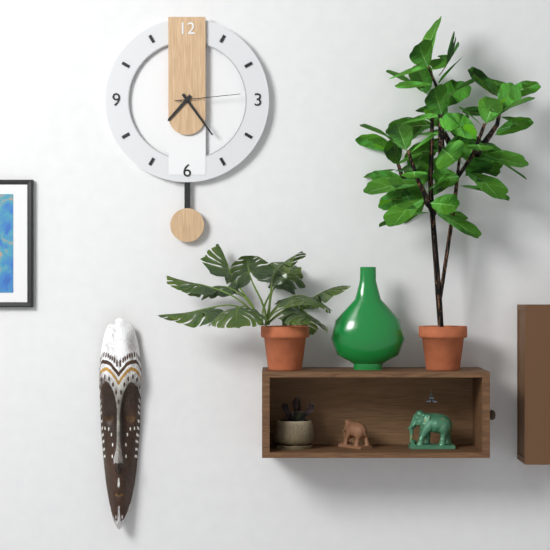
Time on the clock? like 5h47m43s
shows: 7h24m14s
